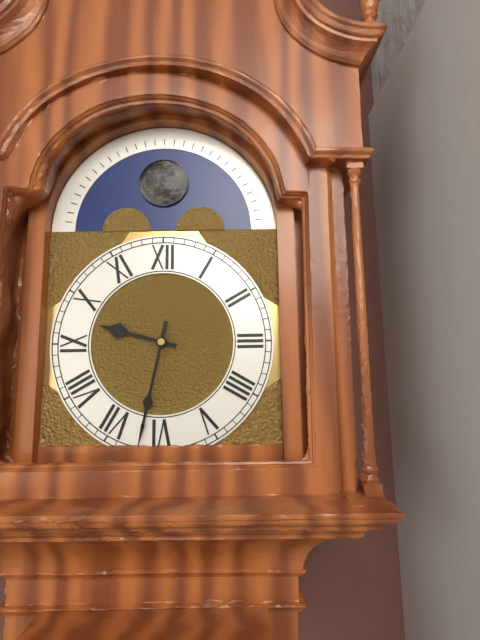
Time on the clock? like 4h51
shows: 9h32
